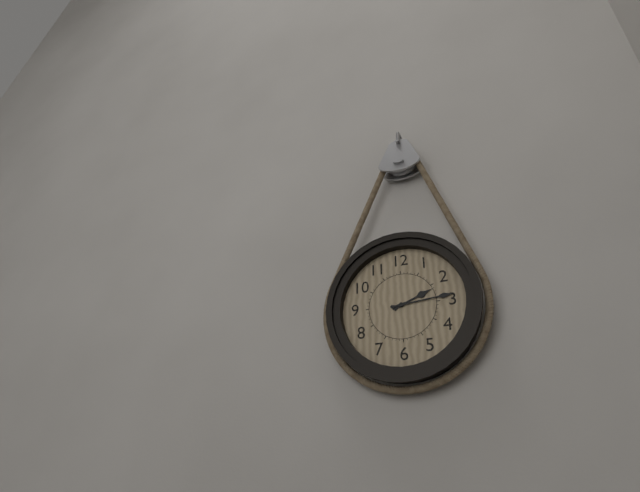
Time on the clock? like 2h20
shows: 2h14
